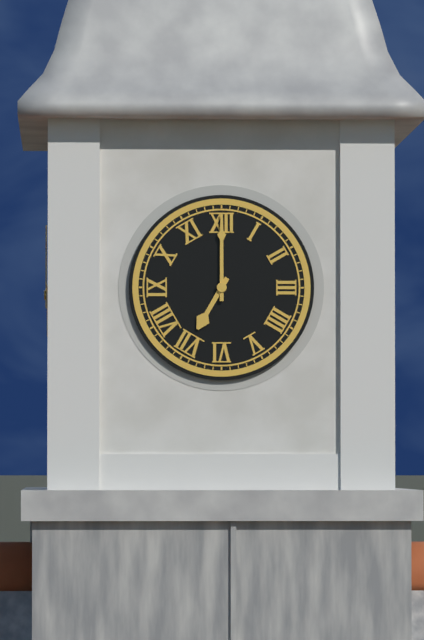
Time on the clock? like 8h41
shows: 7h00
